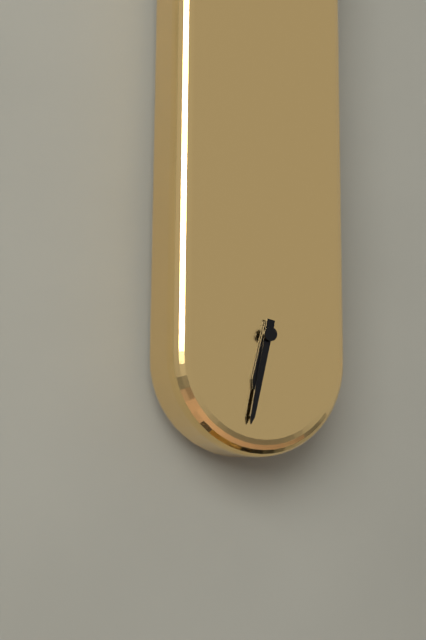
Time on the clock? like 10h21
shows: 6h32
